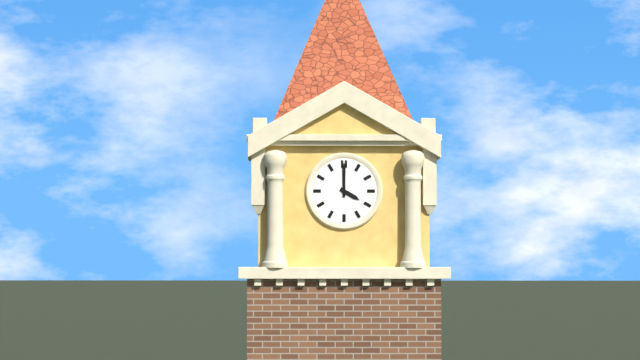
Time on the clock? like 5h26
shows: 4h00
